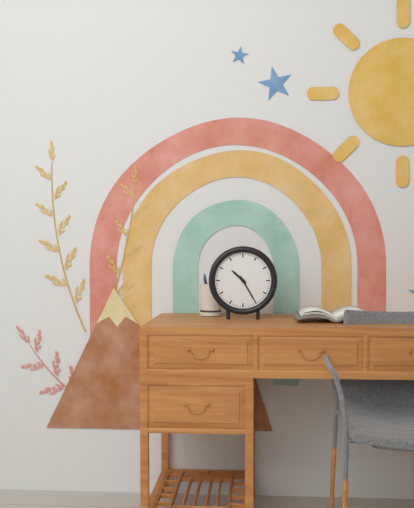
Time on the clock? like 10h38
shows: 10h25
